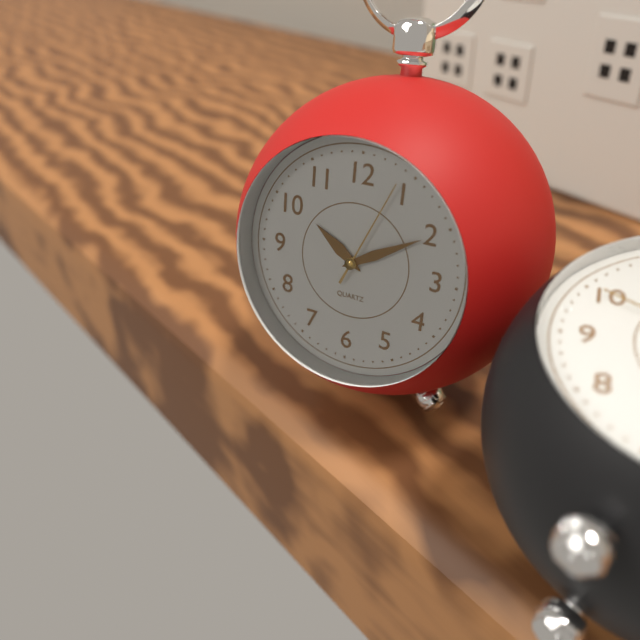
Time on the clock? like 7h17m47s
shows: 10h10m04s
